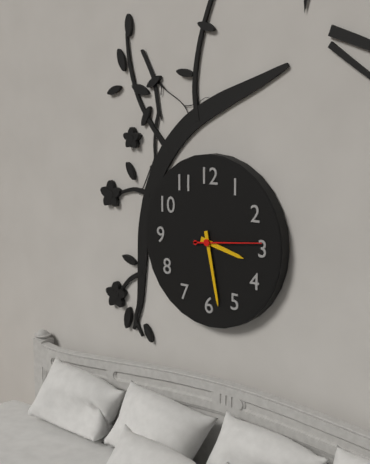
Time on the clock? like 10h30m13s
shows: 3h28m14s
